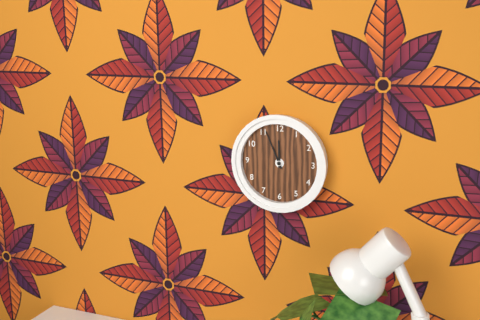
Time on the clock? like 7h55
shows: 11h56
